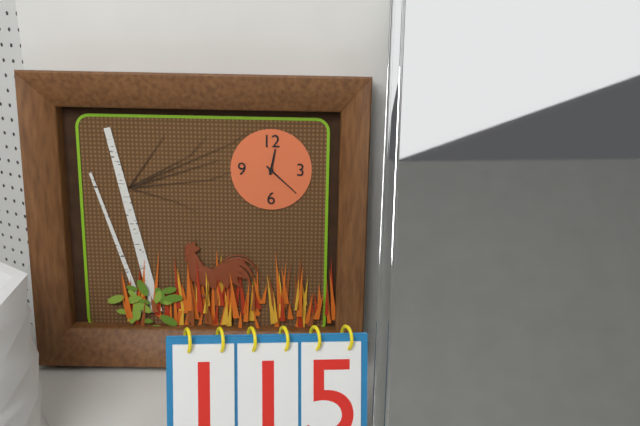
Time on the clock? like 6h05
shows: 12h22
